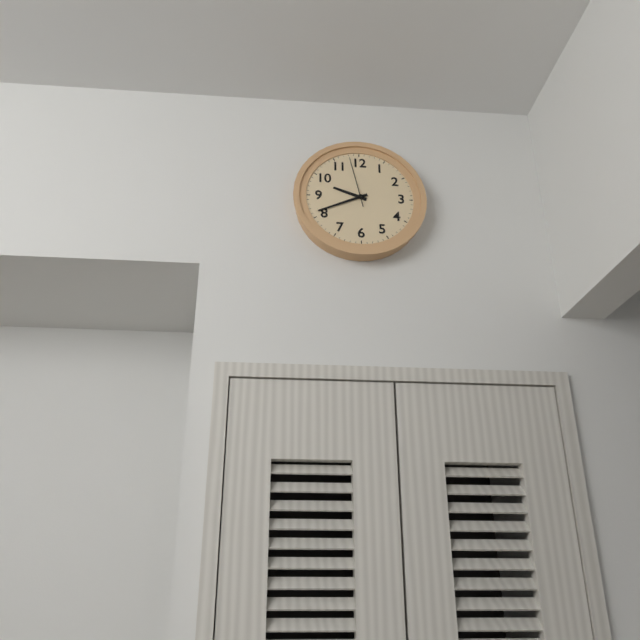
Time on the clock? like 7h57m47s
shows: 9h41m58s
